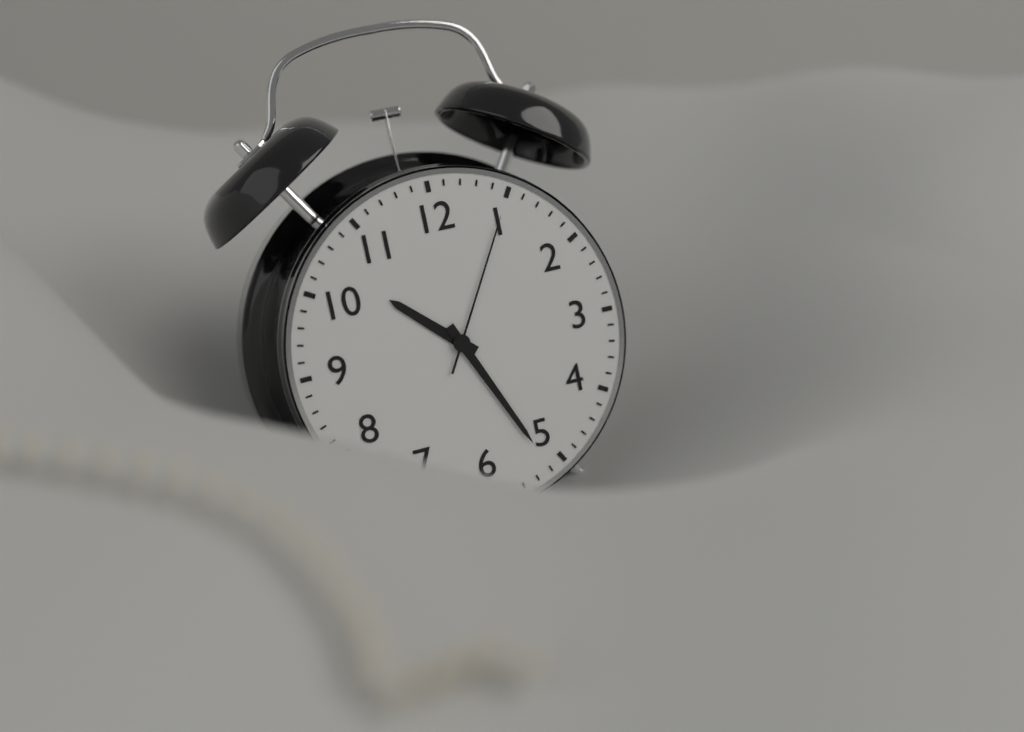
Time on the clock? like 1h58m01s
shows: 10h26m05s
